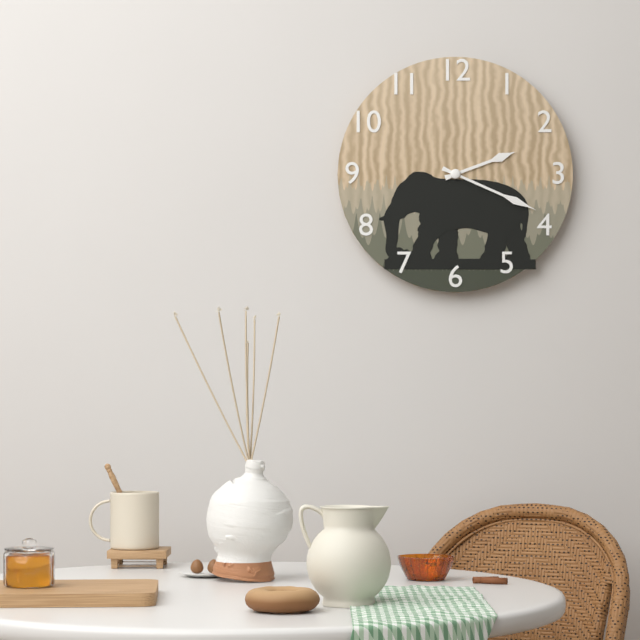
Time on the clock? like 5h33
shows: 2h19
